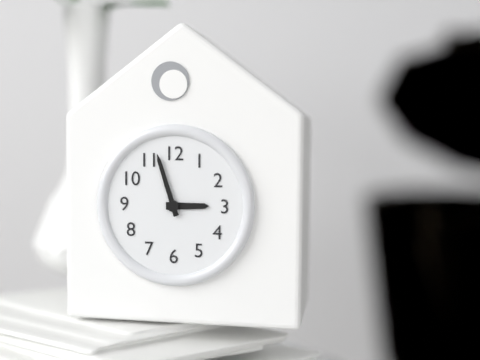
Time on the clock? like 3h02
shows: 2h57
